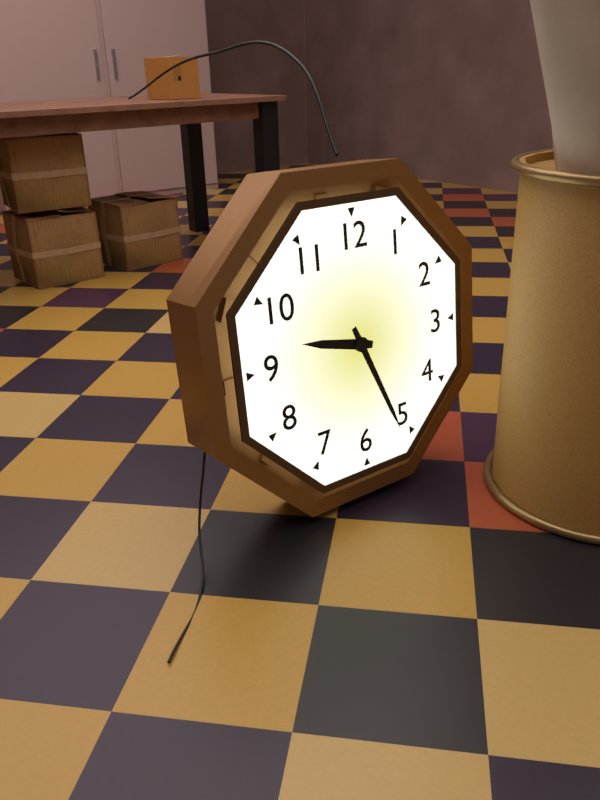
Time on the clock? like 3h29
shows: 9h26
